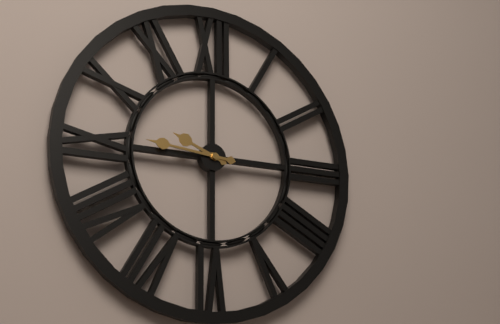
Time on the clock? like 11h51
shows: 9h46
